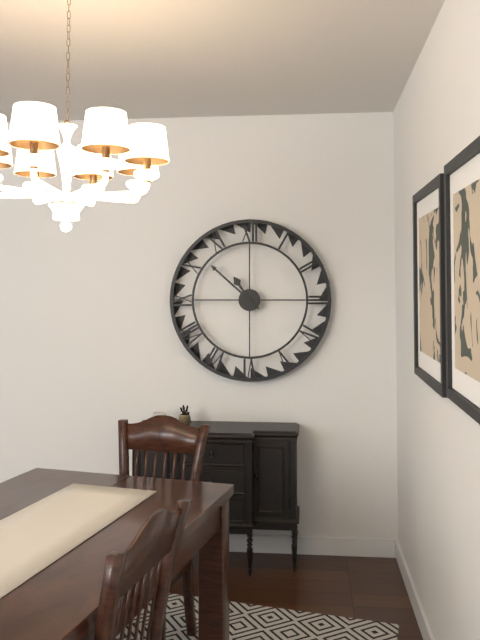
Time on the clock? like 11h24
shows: 10h52
